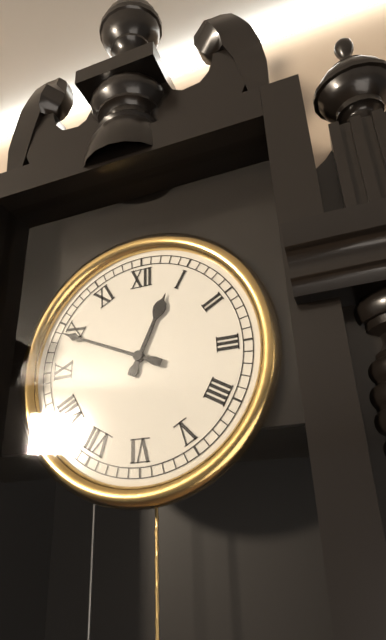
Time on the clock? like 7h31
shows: 12h49
